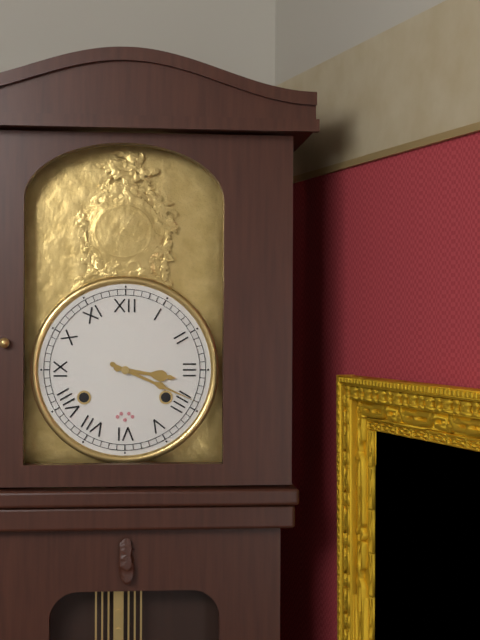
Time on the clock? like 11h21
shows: 3h19
